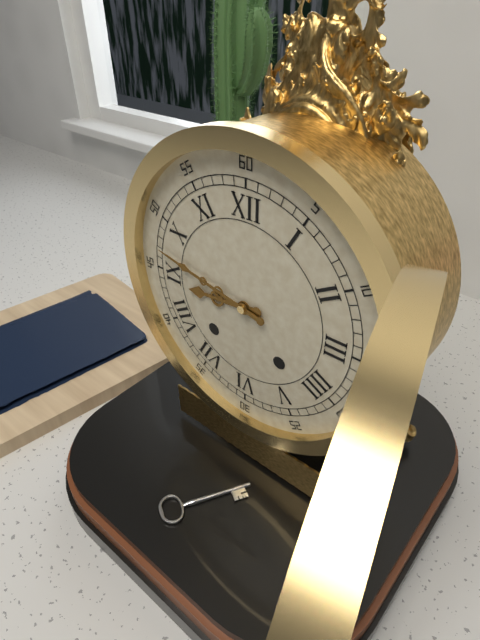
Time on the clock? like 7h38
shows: 8h47
